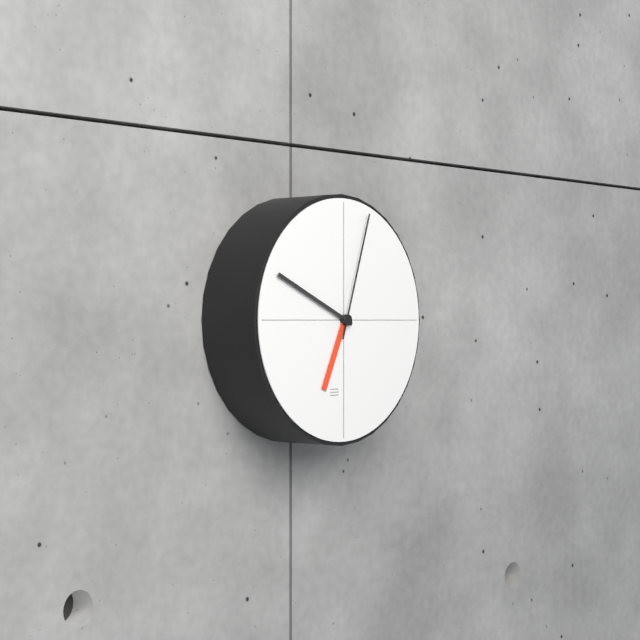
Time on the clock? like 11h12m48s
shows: 6h49m03s
